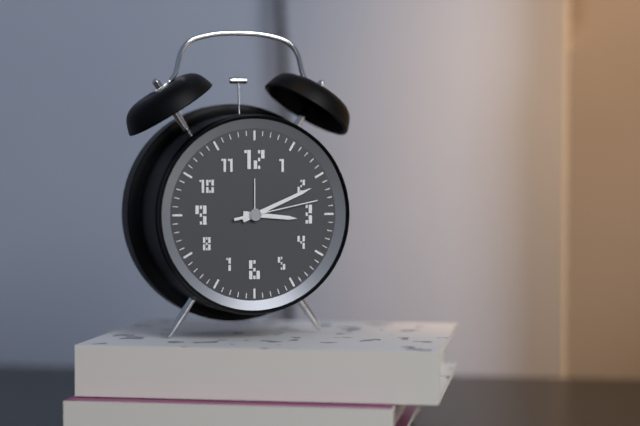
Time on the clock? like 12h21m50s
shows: 3h11m13s
